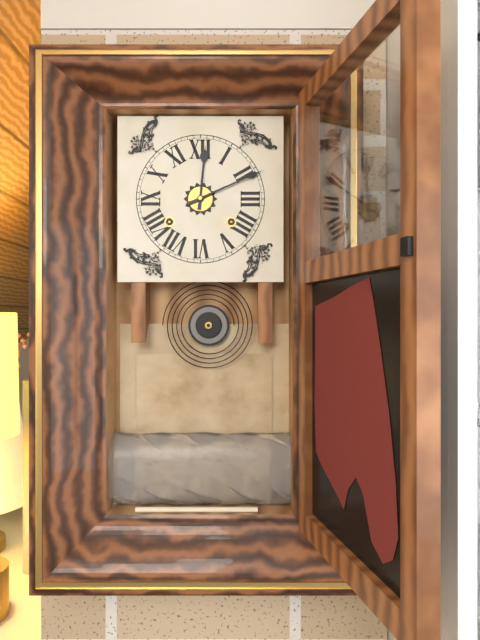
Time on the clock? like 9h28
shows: 12h11
